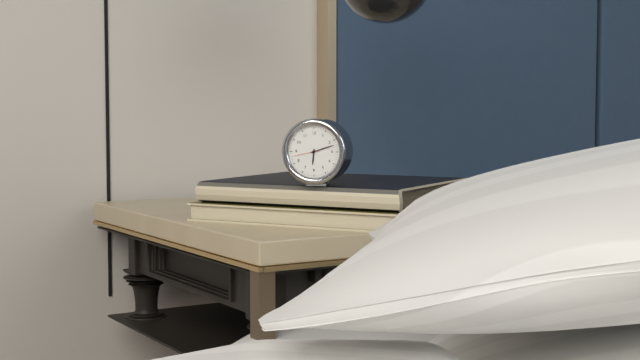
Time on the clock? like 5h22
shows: 6h12
